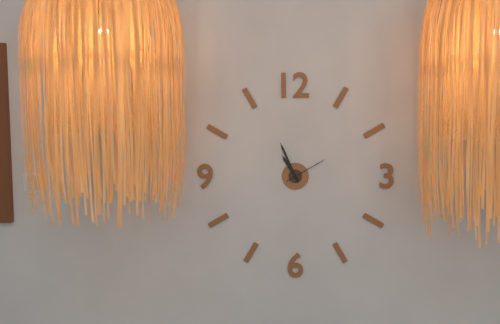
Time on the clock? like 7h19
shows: 10h56
